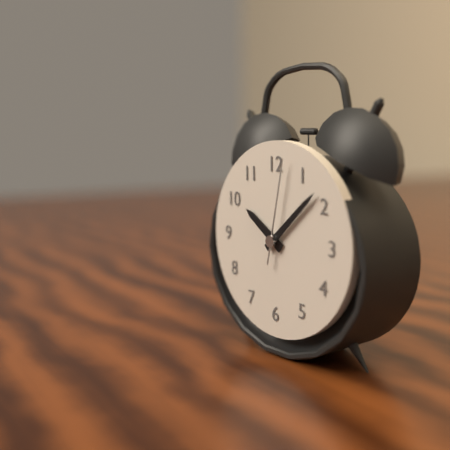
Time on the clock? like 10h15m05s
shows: 10h08m02s
